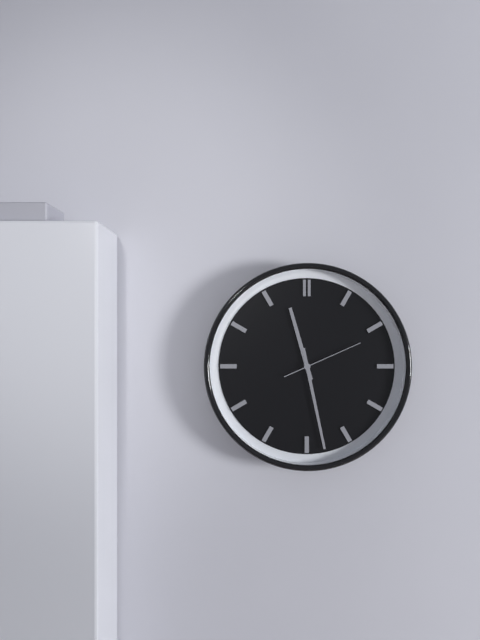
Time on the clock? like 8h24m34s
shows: 11h28m11s
